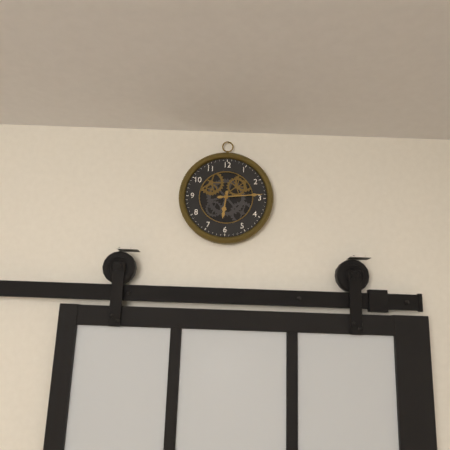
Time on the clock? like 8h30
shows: 6h14
